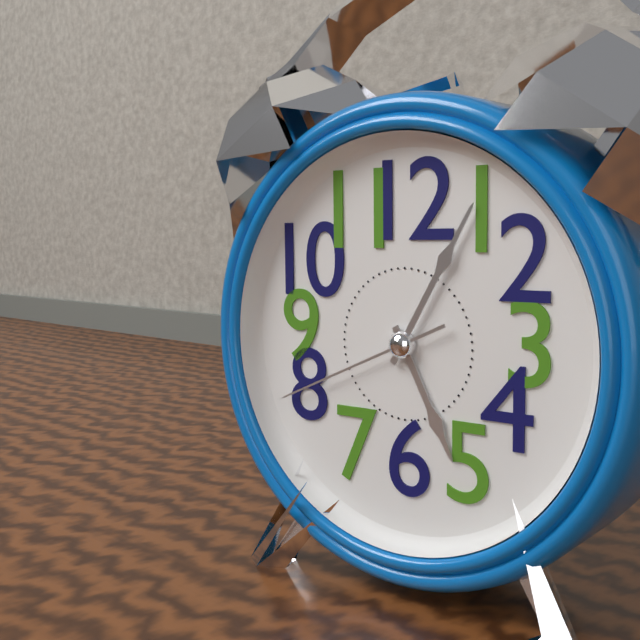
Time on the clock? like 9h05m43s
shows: 5h05m41s
